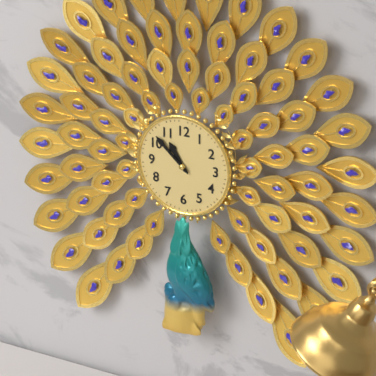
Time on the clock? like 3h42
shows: 10h52
